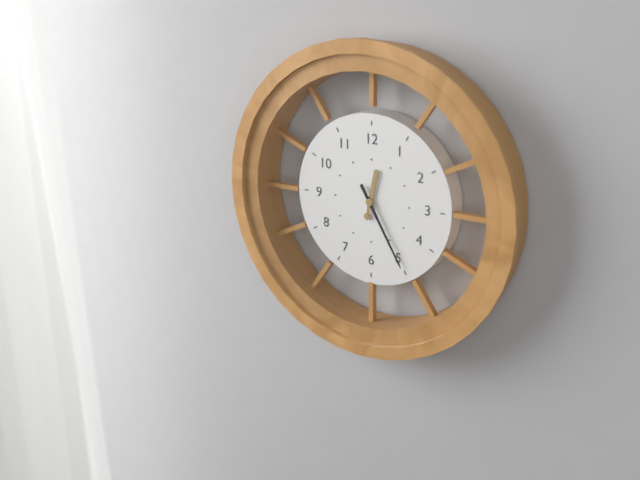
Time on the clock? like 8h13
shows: 12h25
